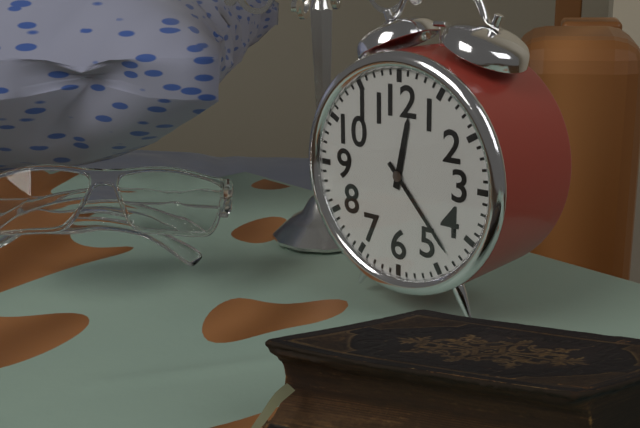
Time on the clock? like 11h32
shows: 12h23
